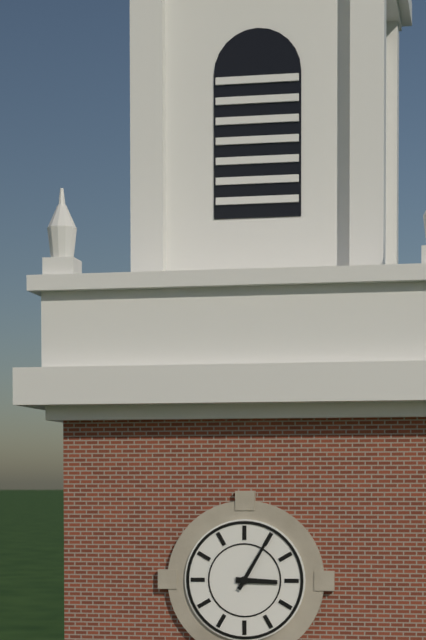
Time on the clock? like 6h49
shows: 3h05
